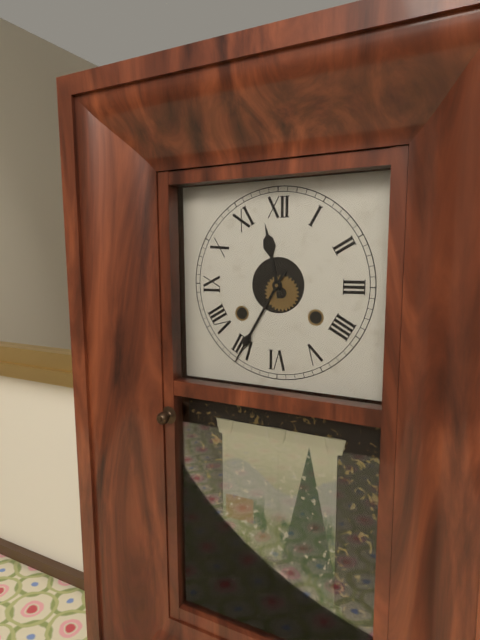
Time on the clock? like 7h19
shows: 11h35
